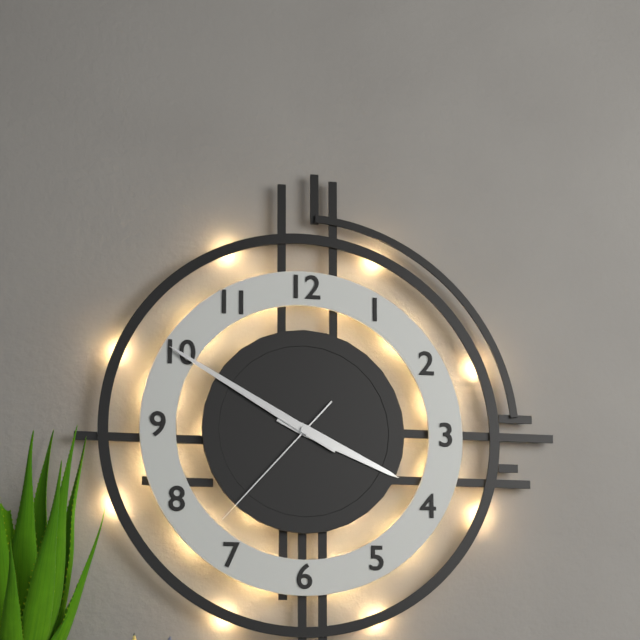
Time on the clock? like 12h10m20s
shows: 3h50m37s
